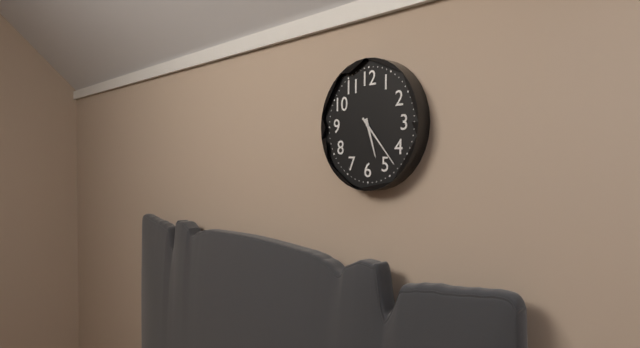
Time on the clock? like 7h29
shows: 5h23
